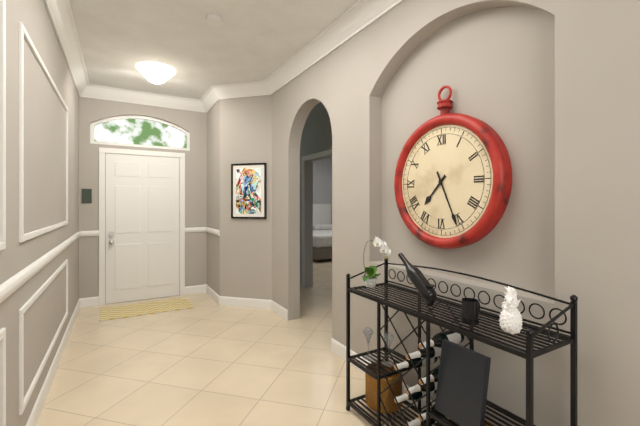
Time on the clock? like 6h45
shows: 7h26
